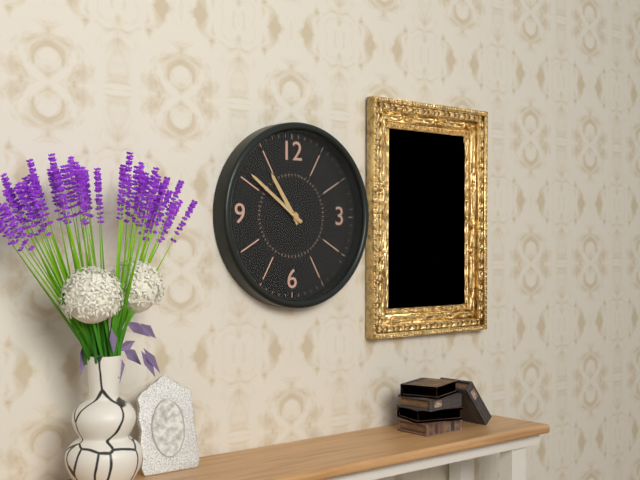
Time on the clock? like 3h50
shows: 10h51
